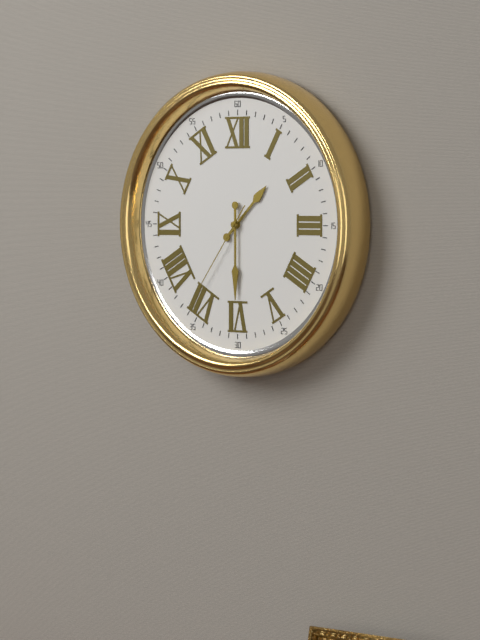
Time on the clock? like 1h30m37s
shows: 1h30m36s
